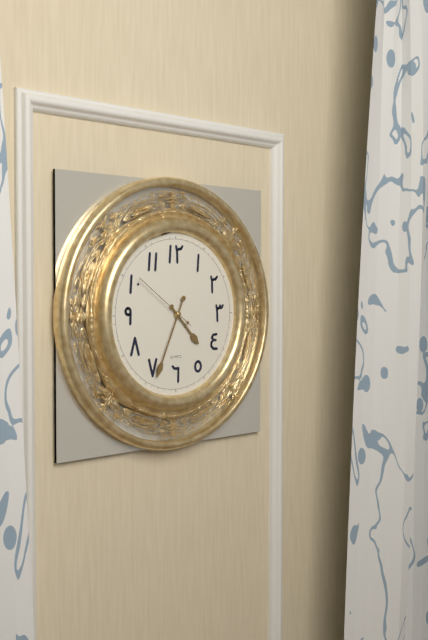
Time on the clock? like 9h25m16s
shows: 4h34m51s
